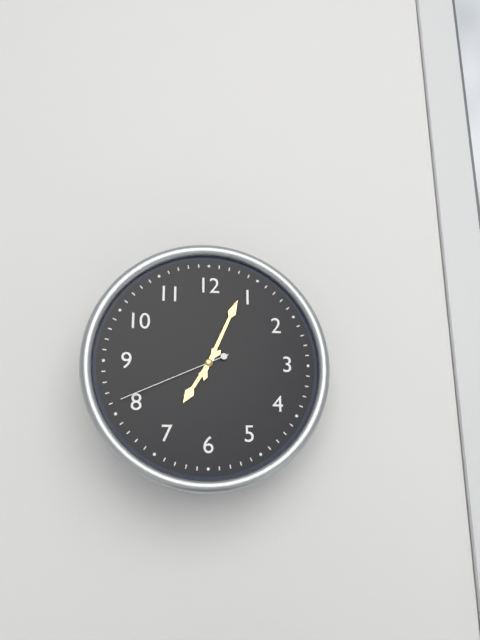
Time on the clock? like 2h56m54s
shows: 7h04m41s
